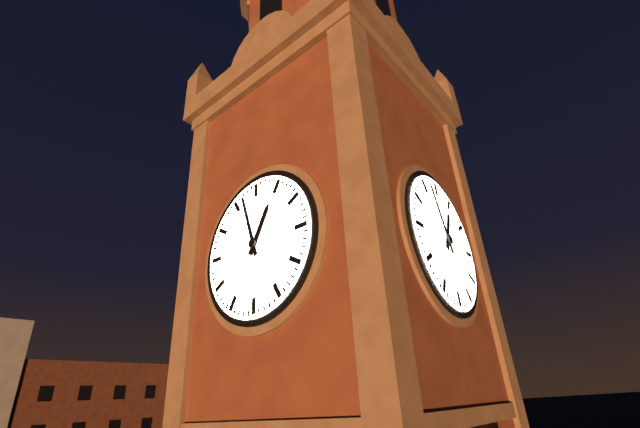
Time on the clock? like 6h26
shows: 12h57
